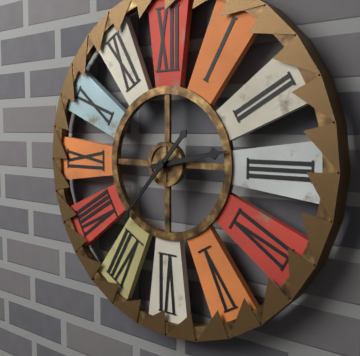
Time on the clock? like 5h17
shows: 2h37
